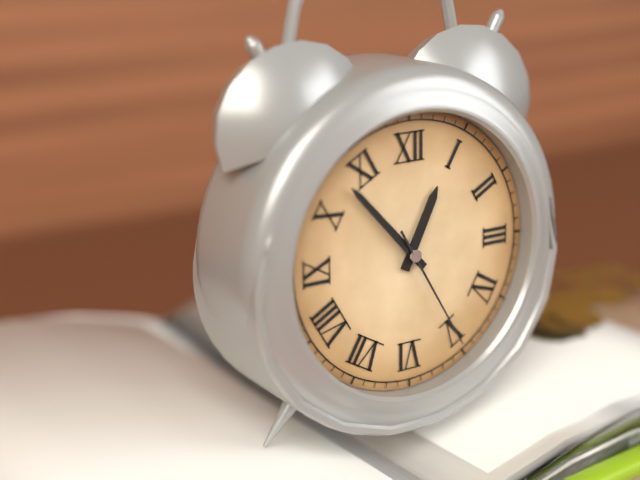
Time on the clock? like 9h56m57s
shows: 12h53m25s
